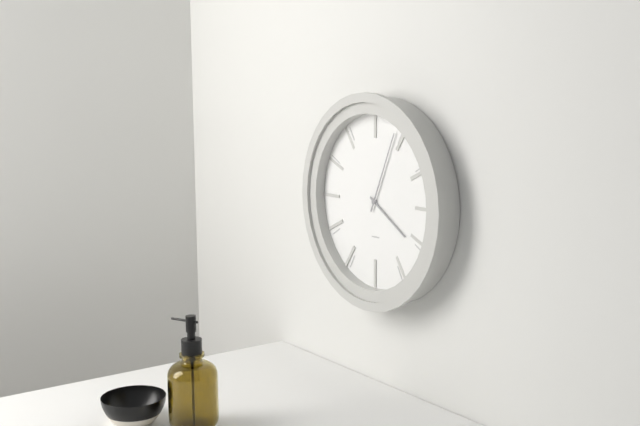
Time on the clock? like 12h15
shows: 4h04
